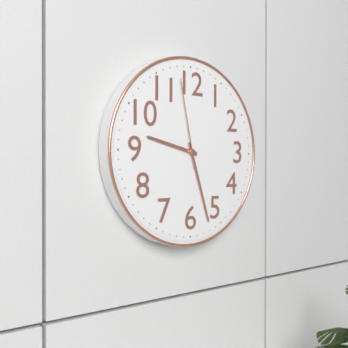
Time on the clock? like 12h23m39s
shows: 9h27m58s
